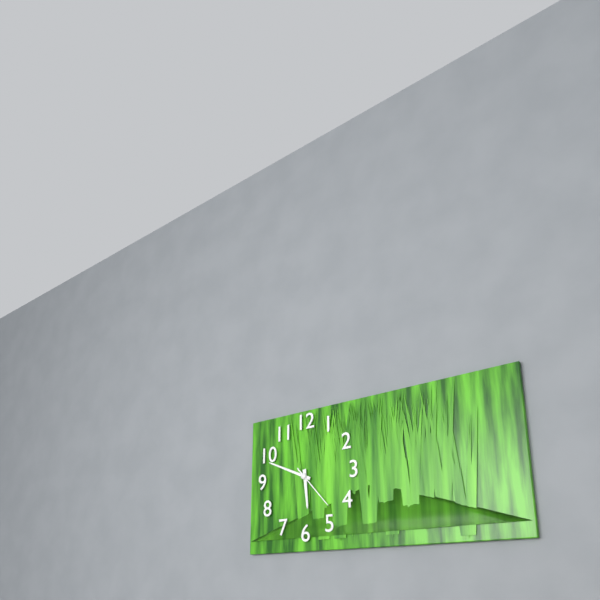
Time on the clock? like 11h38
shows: 5h49
